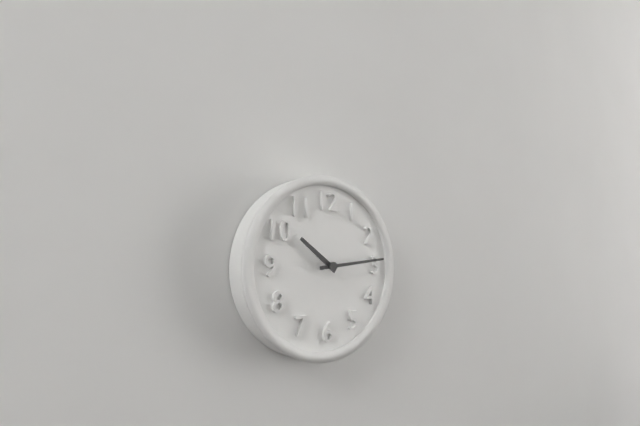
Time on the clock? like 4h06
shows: 10h14
